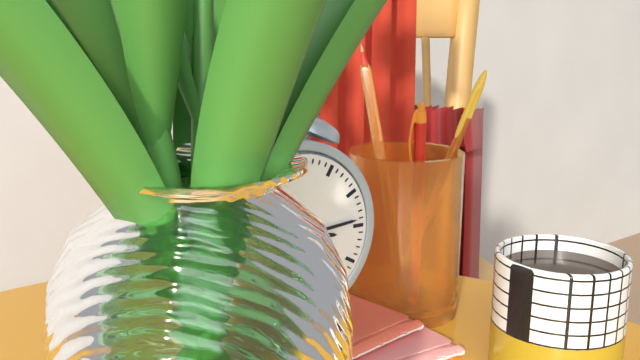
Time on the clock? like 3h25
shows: 3h14
